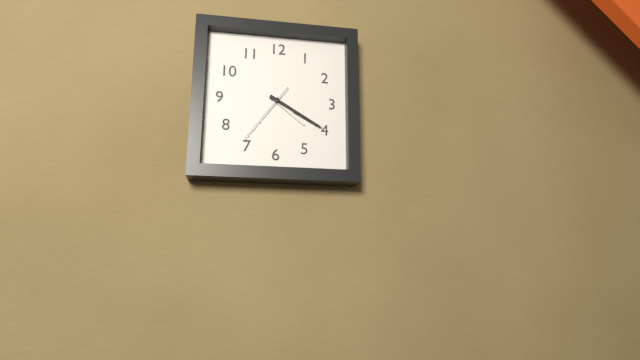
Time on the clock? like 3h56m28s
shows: 4h20m36s
